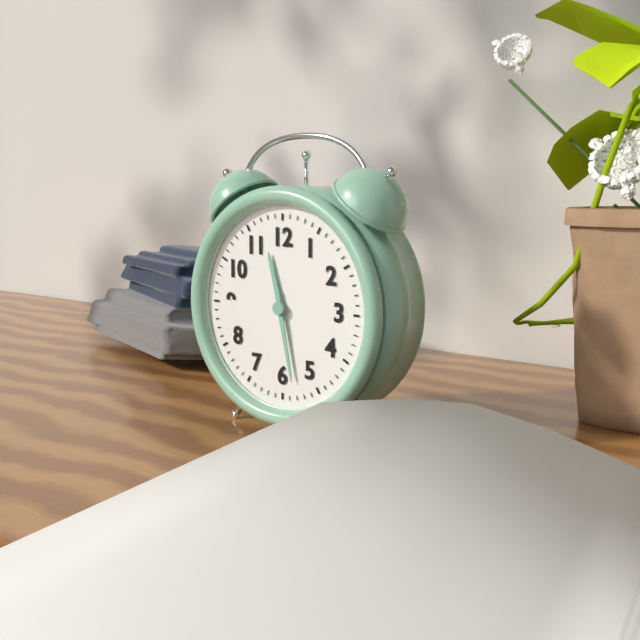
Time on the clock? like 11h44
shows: 11h28
